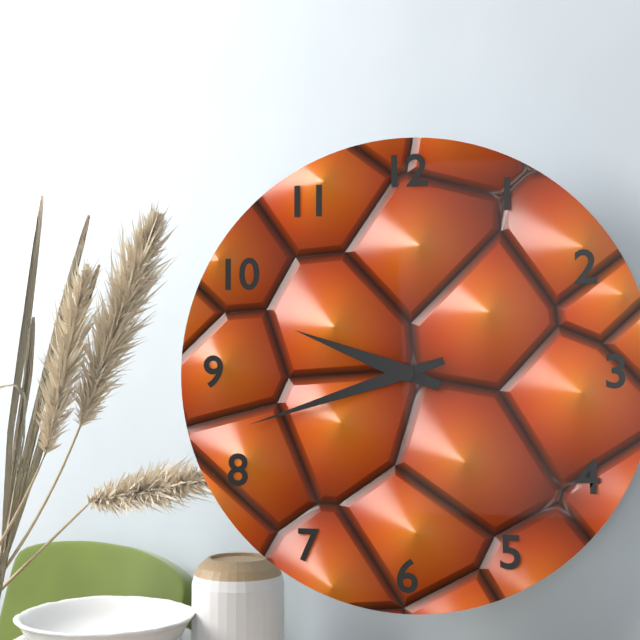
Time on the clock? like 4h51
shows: 9h42
